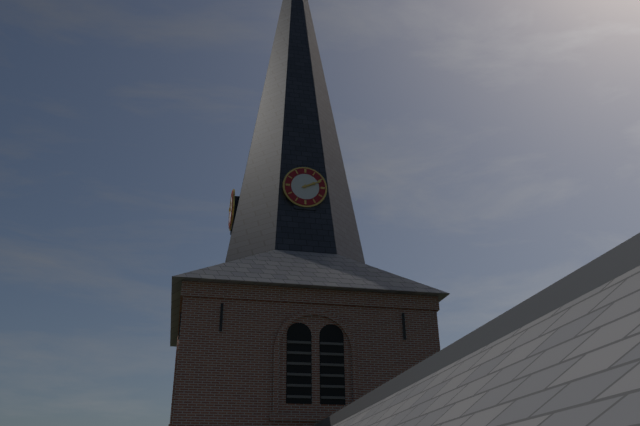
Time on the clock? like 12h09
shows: 2h11
